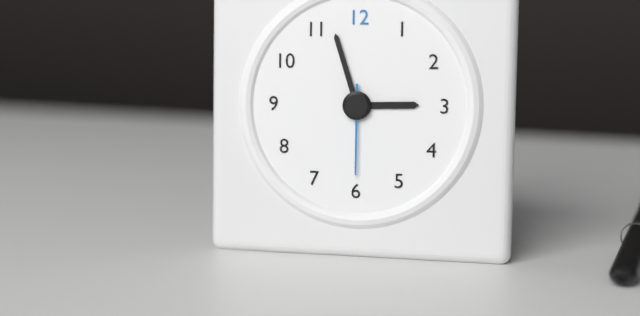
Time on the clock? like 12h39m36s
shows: 2h57m30s
